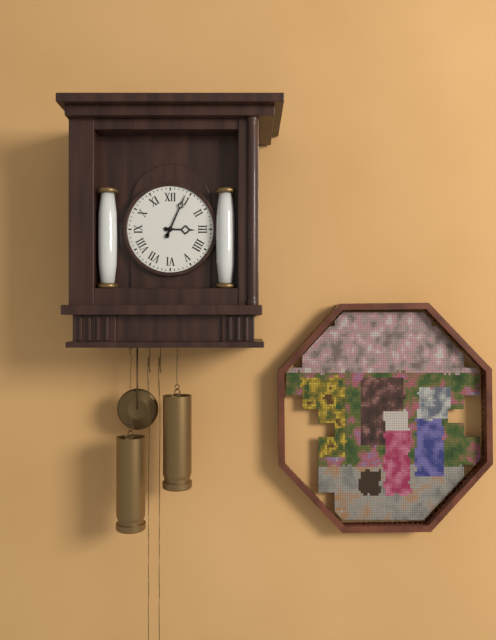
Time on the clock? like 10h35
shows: 3h04
